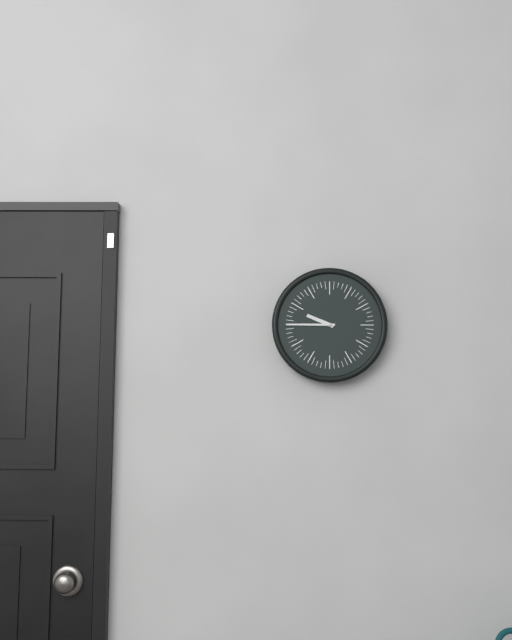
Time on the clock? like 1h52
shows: 9h45
